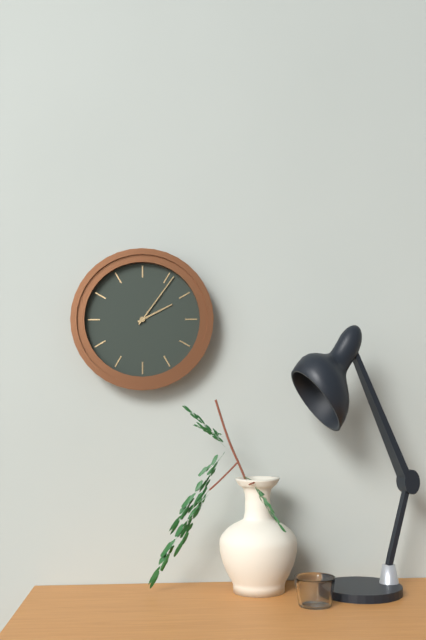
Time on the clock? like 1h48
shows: 2h06
